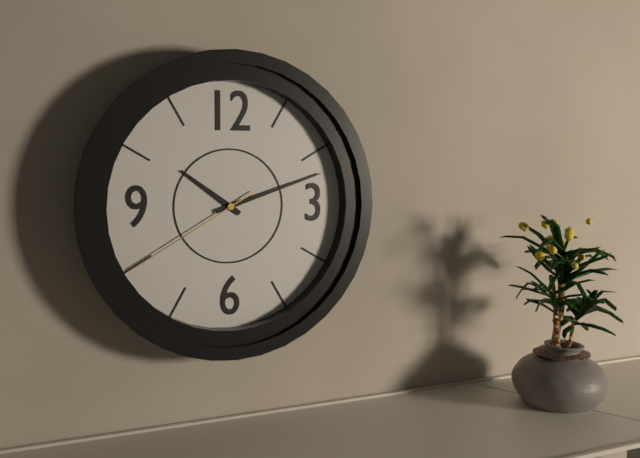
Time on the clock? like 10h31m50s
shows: 10h12m40s
